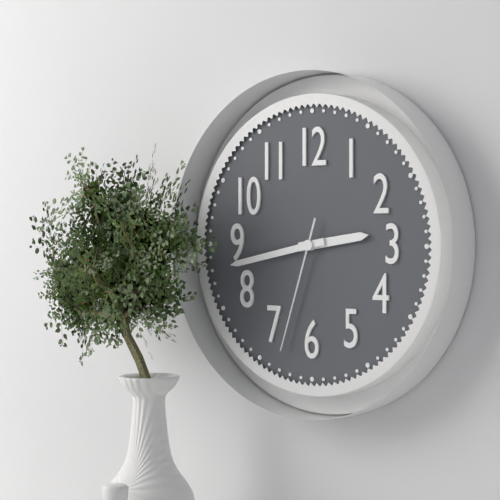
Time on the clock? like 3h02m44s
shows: 2h43m33s
